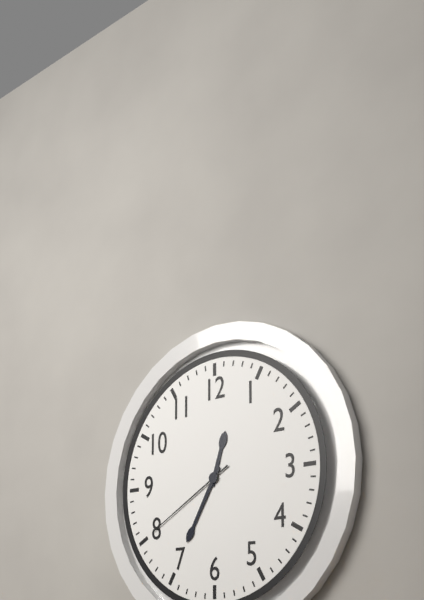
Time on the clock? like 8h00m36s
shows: 12h35m40s
